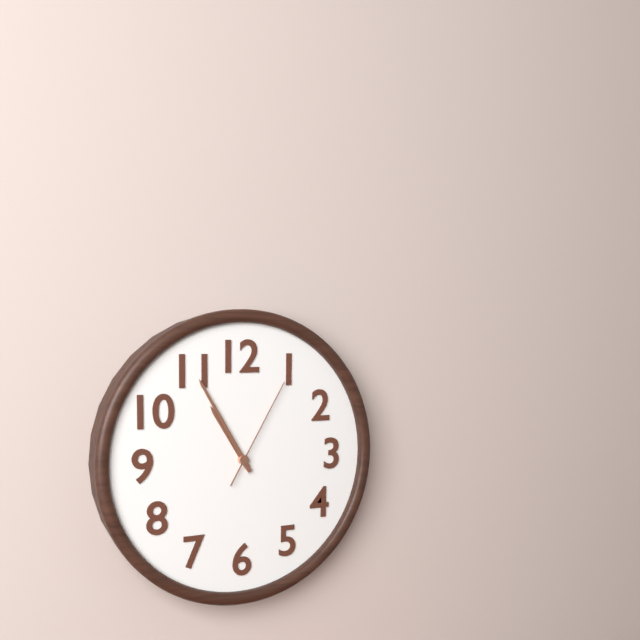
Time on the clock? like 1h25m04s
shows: 10h55m05s
